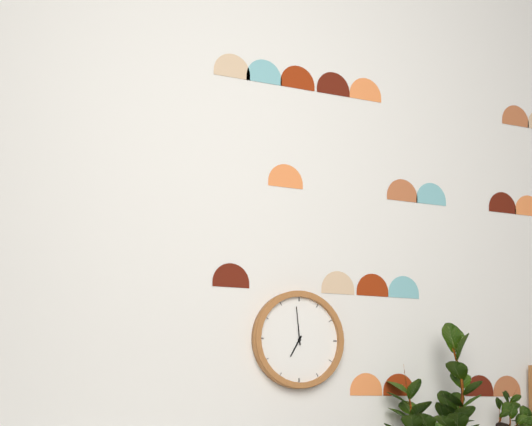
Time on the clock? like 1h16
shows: 6h59
